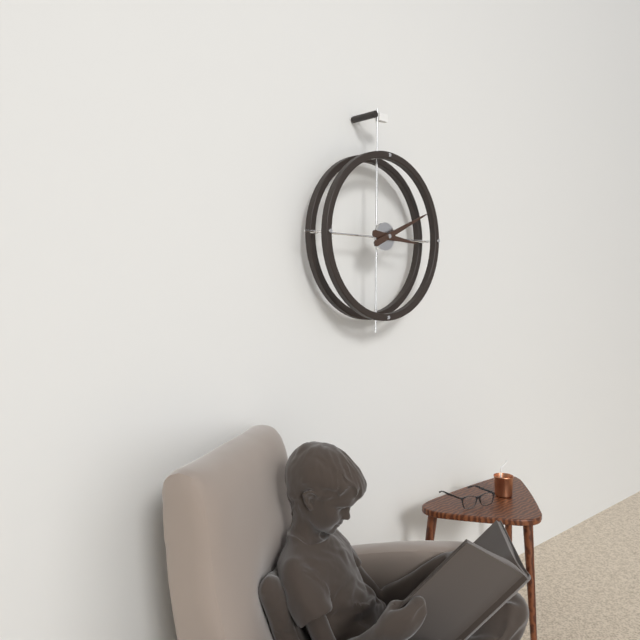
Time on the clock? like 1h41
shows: 3h11
